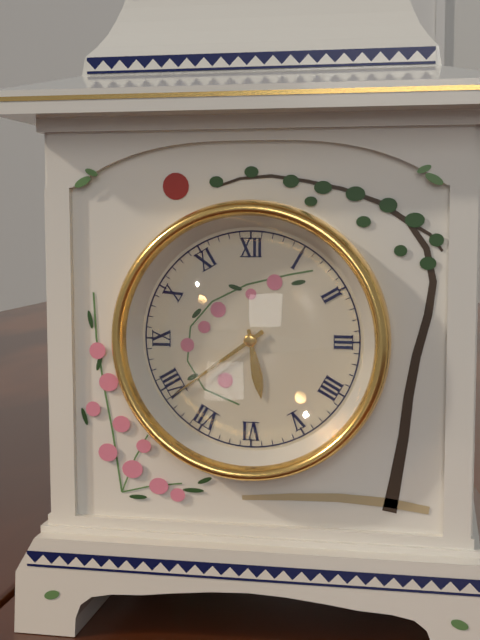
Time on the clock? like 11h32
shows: 5h39
